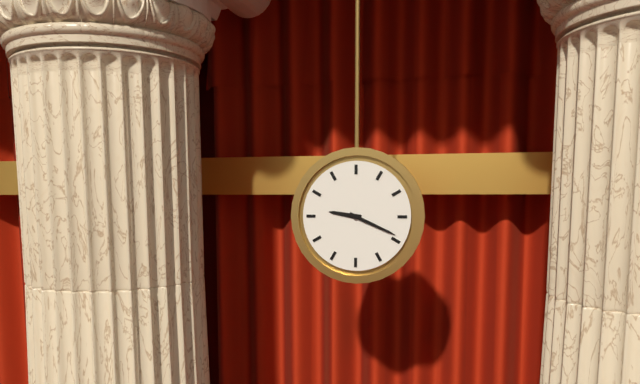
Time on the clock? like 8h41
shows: 9h19
